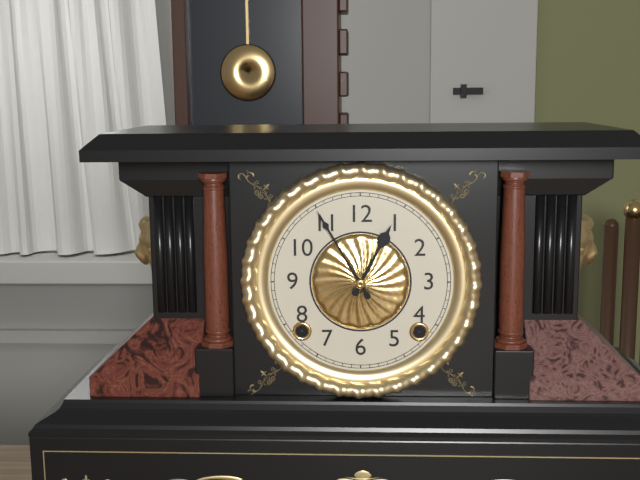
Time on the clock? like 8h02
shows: 12h55
